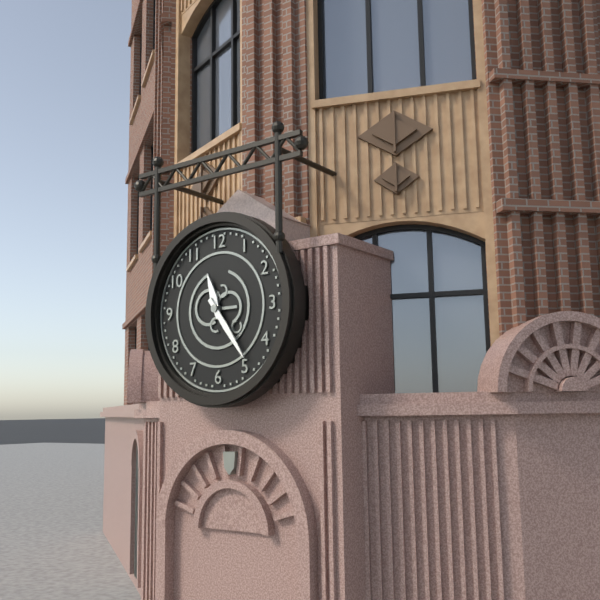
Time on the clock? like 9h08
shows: 11h24
